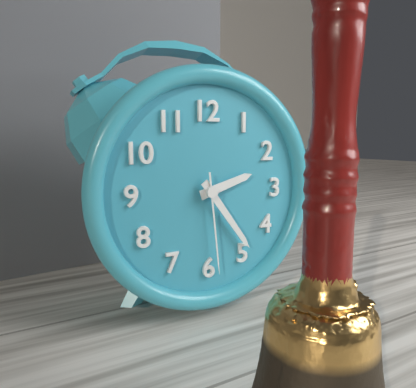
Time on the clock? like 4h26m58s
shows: 2h24m29s
